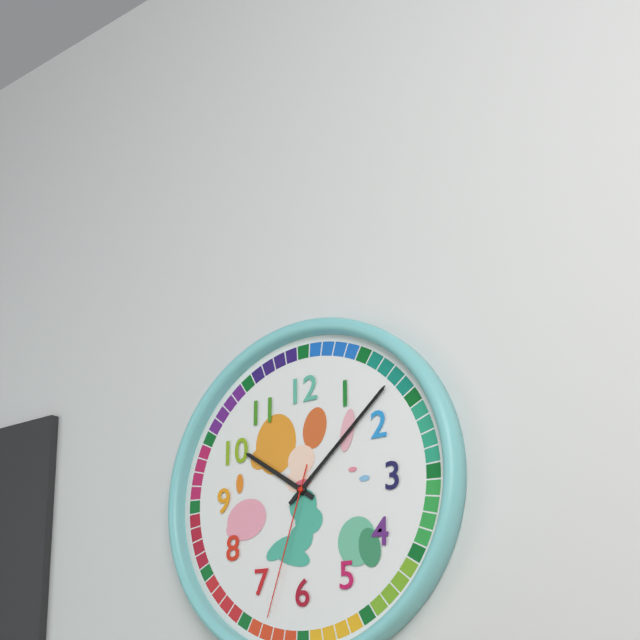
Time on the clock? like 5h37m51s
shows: 10h08m33s
